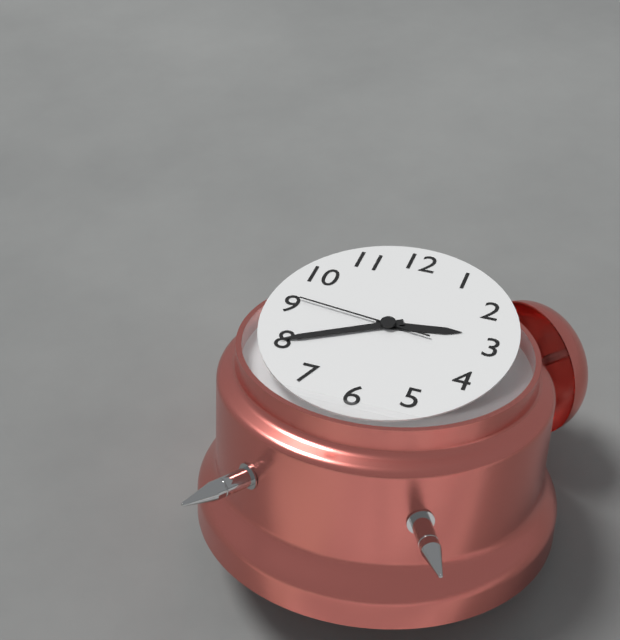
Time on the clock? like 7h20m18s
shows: 2h40m46s
